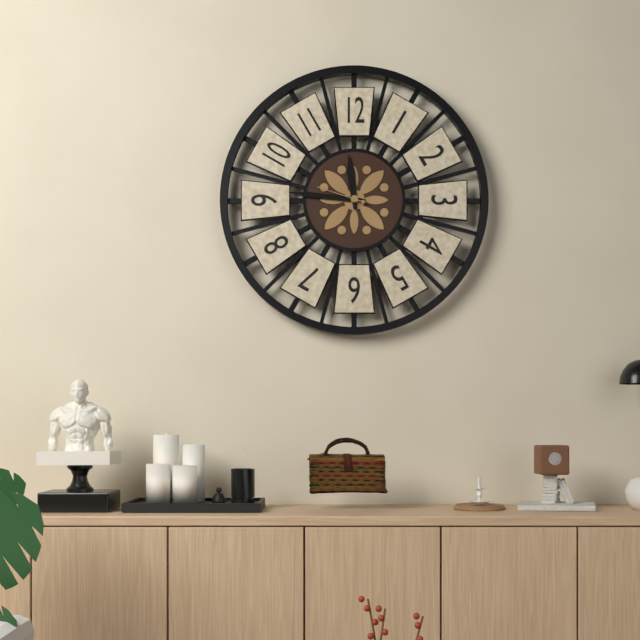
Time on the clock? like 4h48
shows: 11h46
